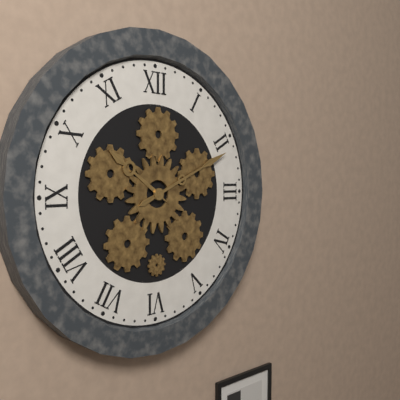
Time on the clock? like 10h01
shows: 10h11
